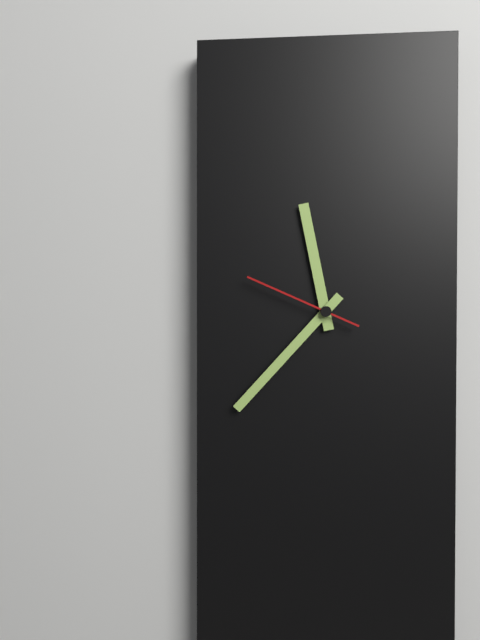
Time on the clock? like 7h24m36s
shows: 11h37m49s
